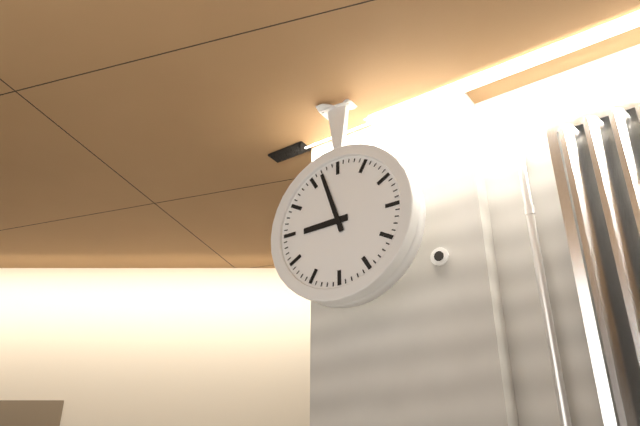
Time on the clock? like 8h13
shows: 8h57
